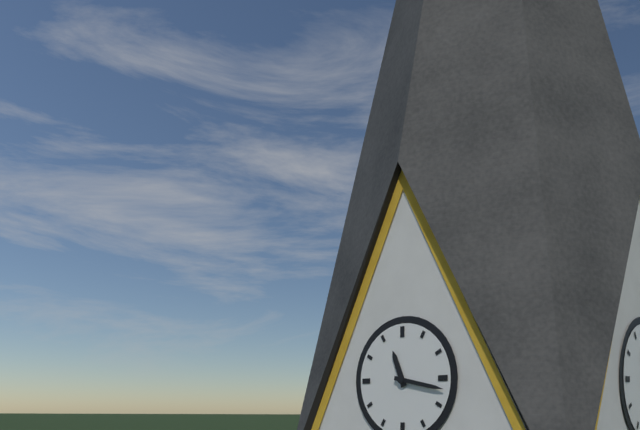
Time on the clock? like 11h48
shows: 11h17
